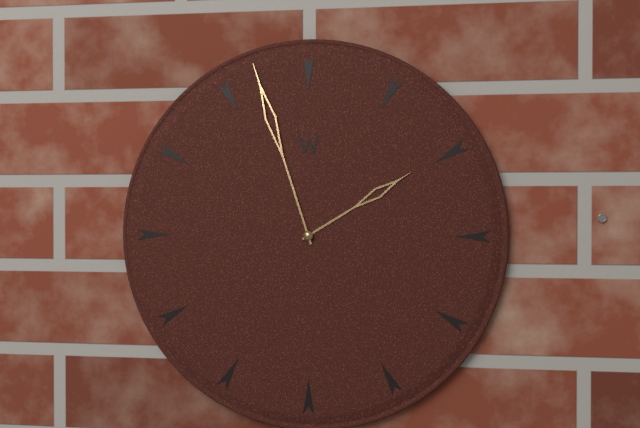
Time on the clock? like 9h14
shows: 1h57
